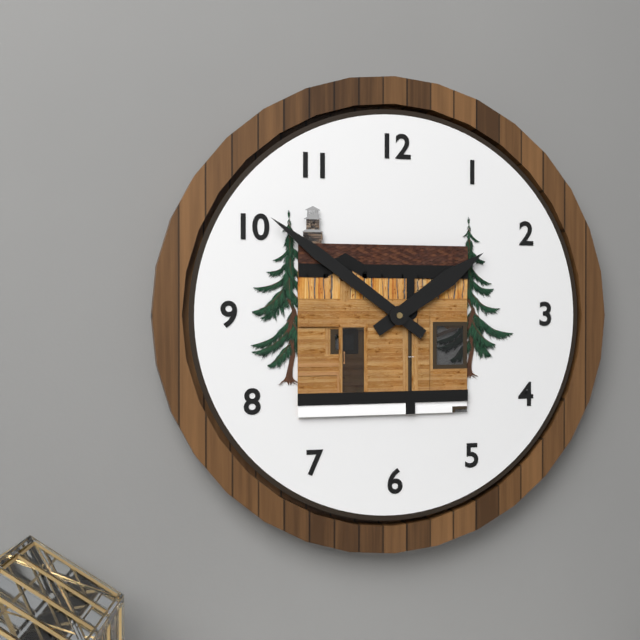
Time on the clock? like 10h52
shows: 1h51
